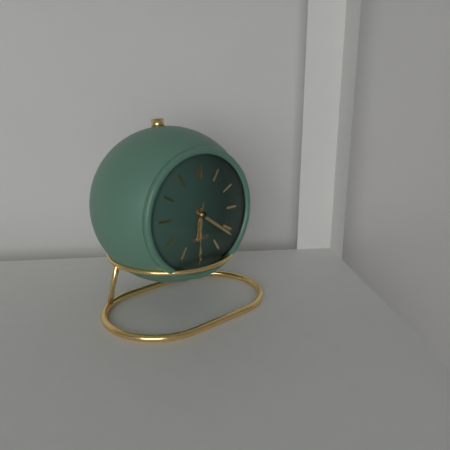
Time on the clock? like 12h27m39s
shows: 6h21m31s
